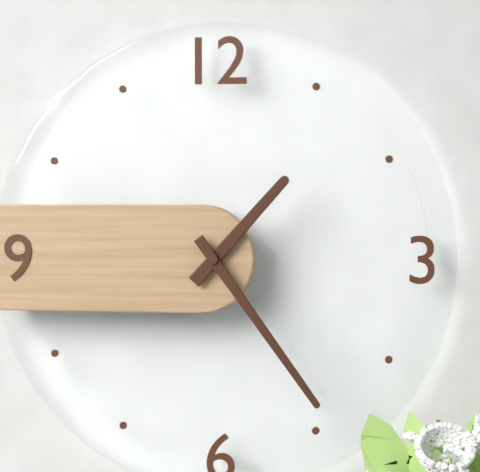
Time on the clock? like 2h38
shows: 1h24
